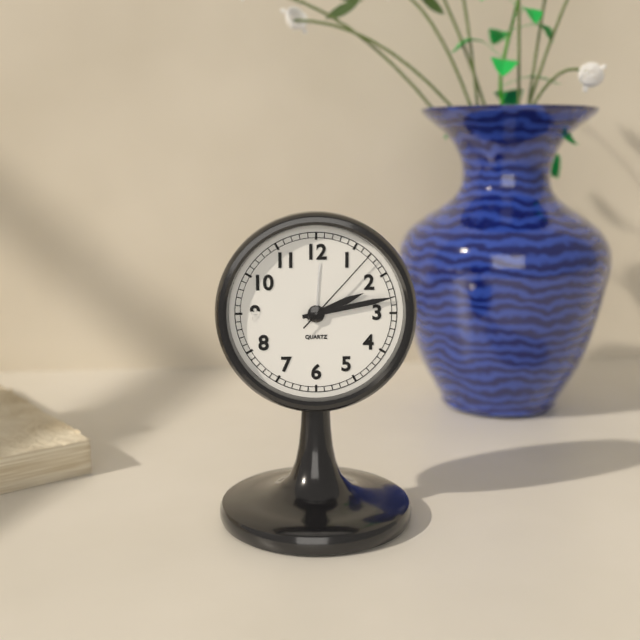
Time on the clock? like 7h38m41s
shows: 2h13m07s
